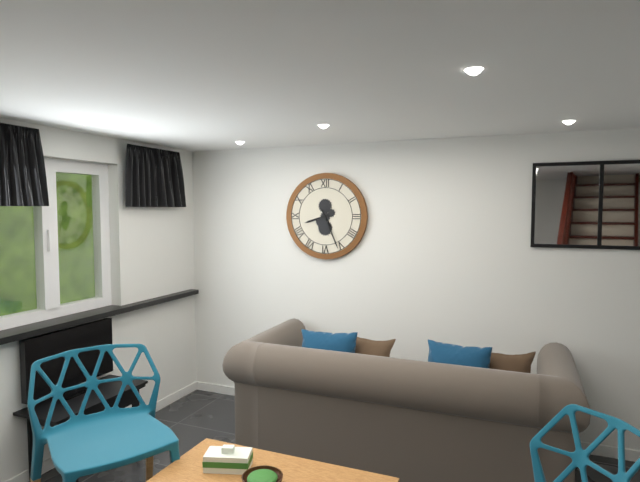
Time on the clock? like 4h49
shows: 8h26
